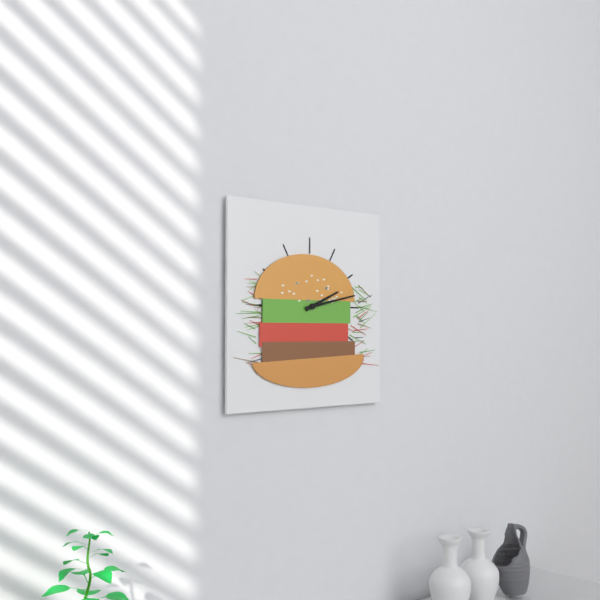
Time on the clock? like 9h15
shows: 2h13
